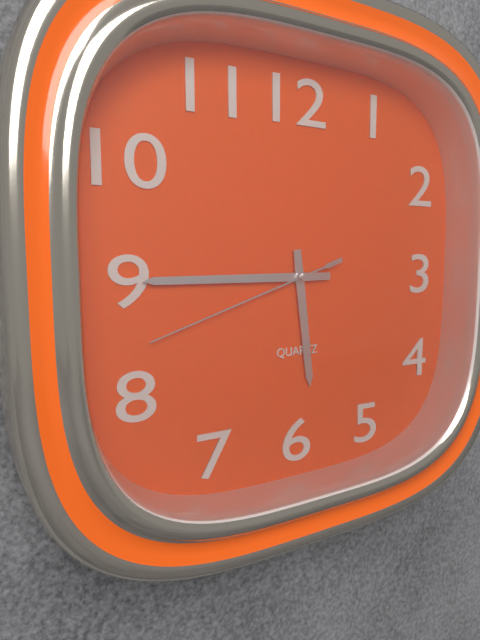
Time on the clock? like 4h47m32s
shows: 5h45m42s
